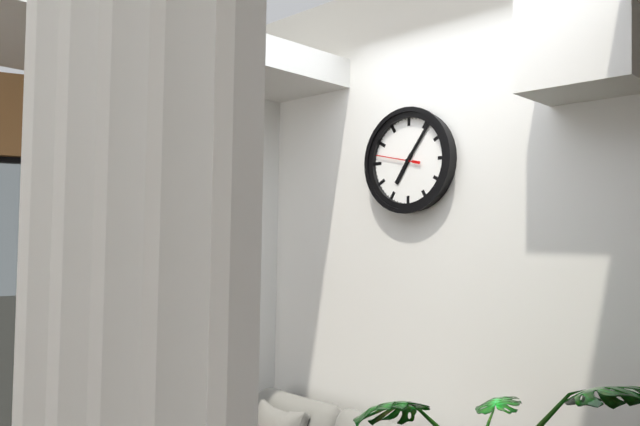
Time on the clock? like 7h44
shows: 7h06
